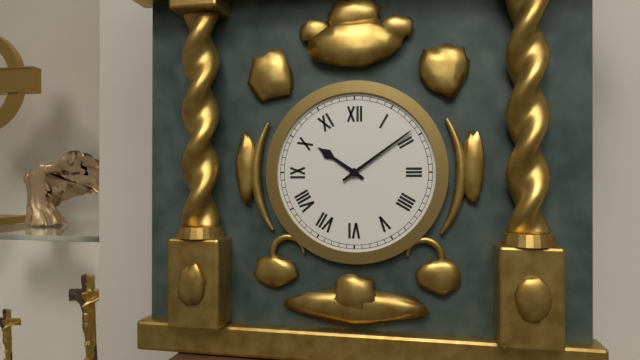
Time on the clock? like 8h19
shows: 10h09
